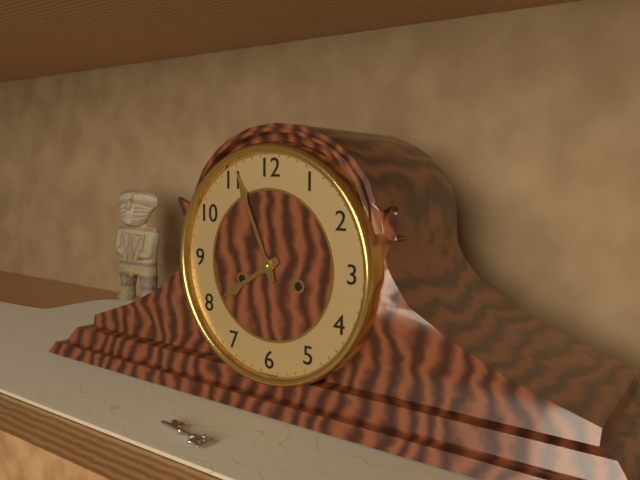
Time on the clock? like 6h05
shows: 7h56
